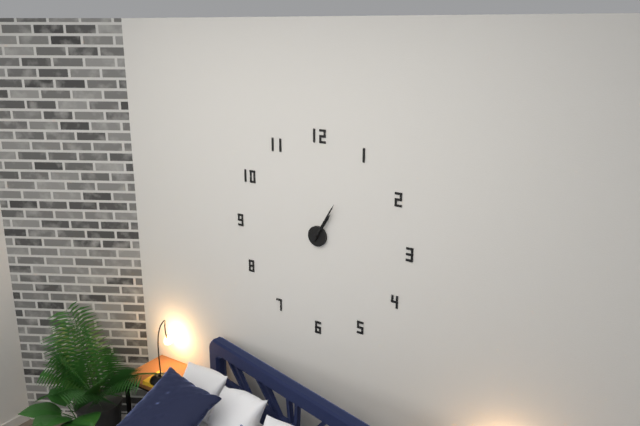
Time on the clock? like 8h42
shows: 1h05
